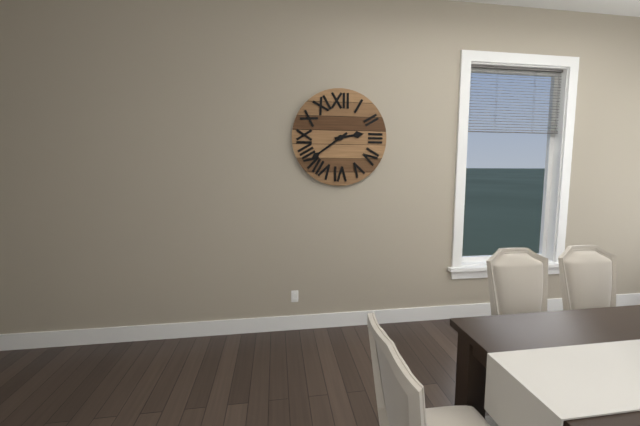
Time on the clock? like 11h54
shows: 2h39
